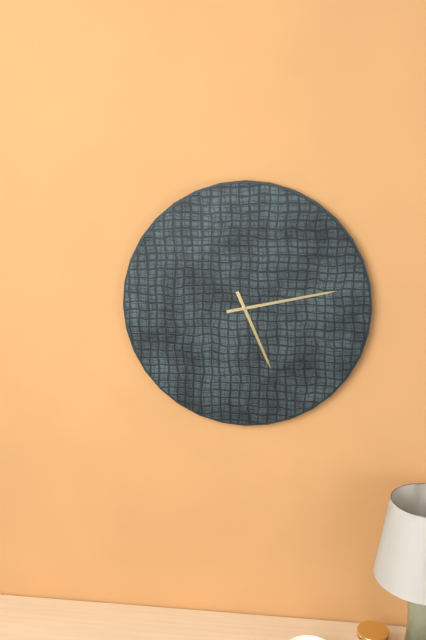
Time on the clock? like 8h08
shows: 5h13
